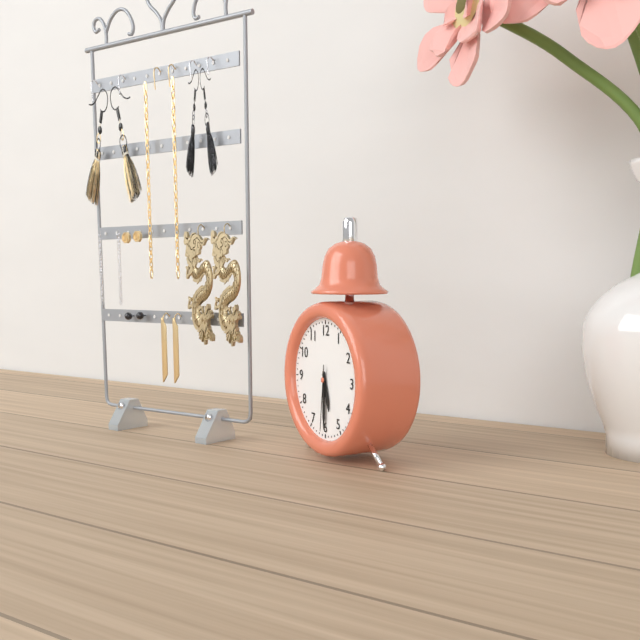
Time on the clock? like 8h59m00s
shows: 5h30m31s
